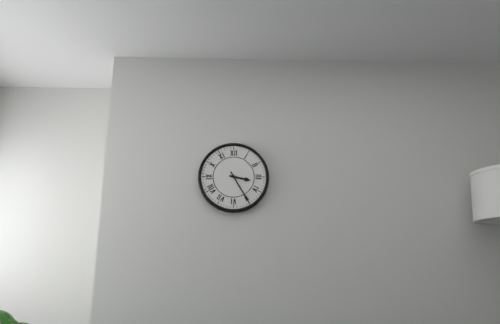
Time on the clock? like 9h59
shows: 3h25
